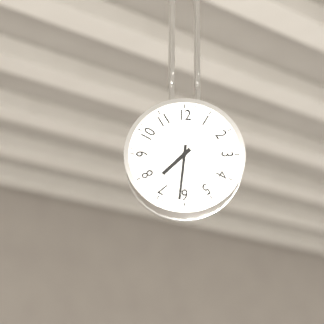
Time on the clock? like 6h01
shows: 7h31
